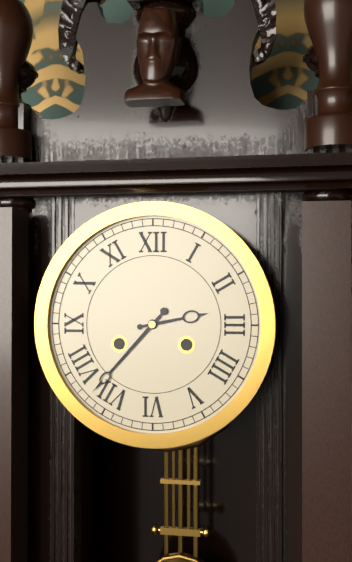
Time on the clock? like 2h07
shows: 2h37
